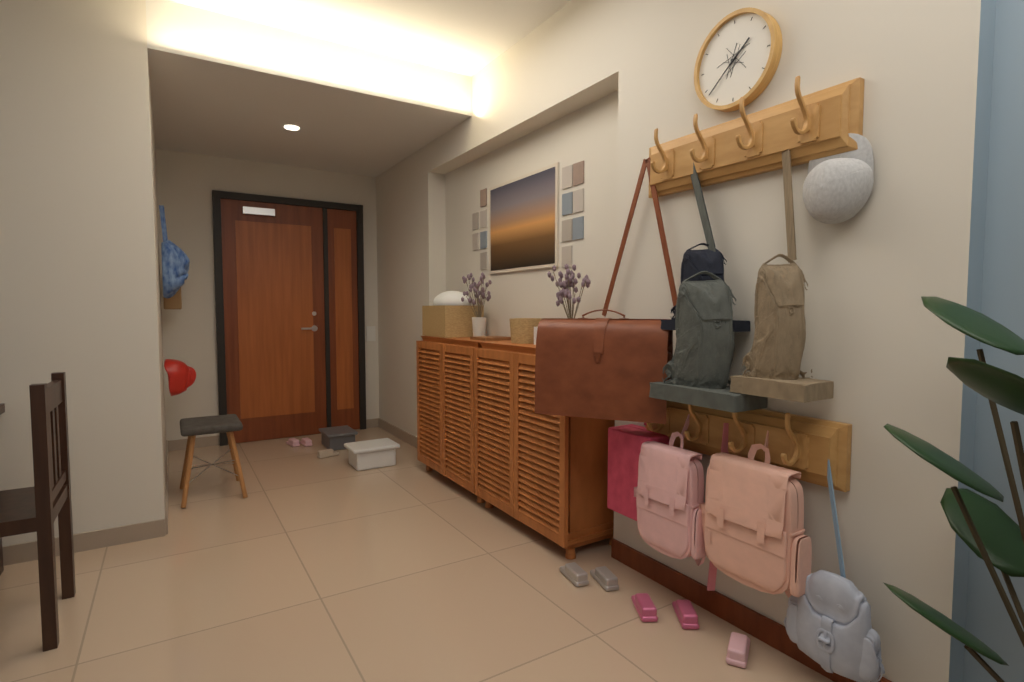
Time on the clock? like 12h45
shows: 1h38
